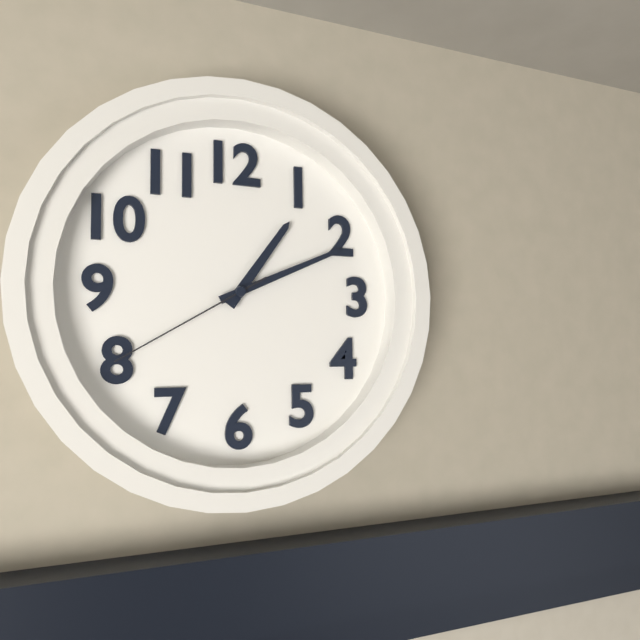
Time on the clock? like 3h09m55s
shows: 1h11m40s
